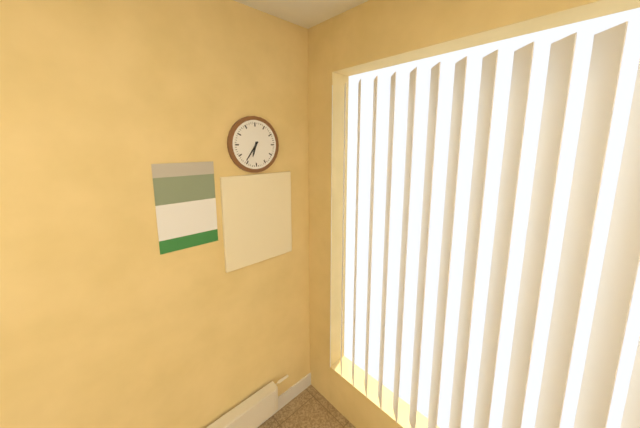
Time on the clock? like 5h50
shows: 6h36
